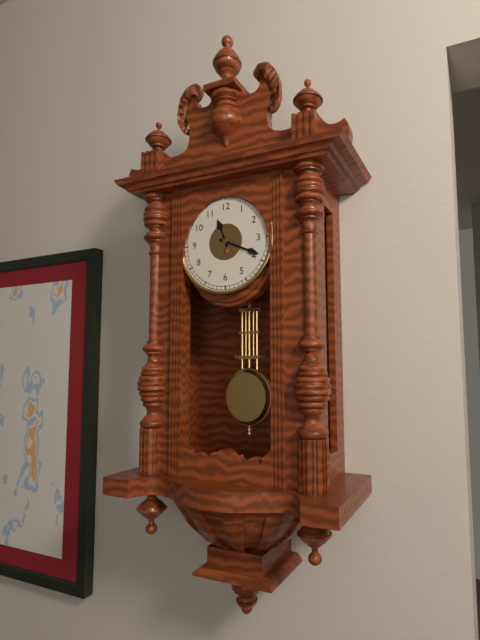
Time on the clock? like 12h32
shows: 11h19
